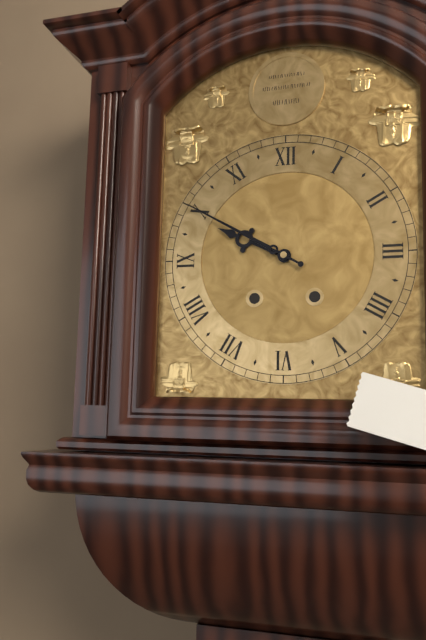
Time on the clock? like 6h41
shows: 9h50
